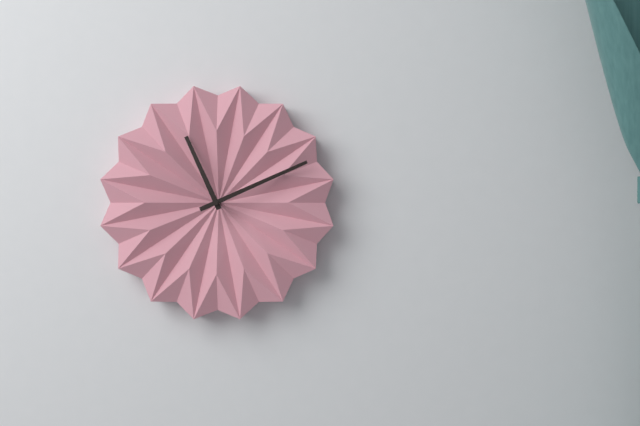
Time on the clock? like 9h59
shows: 11h11
